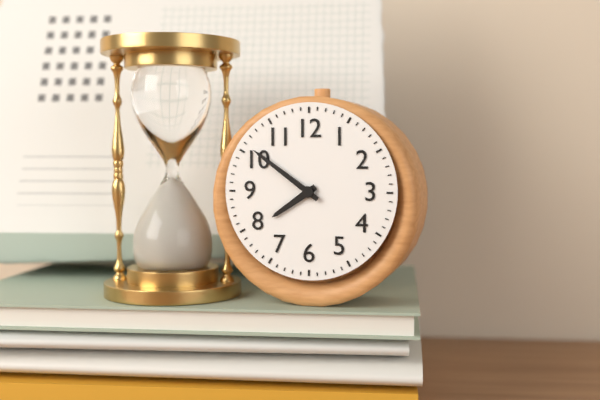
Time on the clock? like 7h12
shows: 7h51
